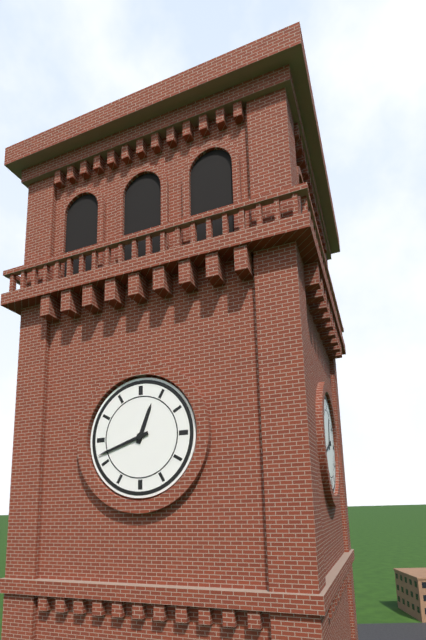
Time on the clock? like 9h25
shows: 12h42
